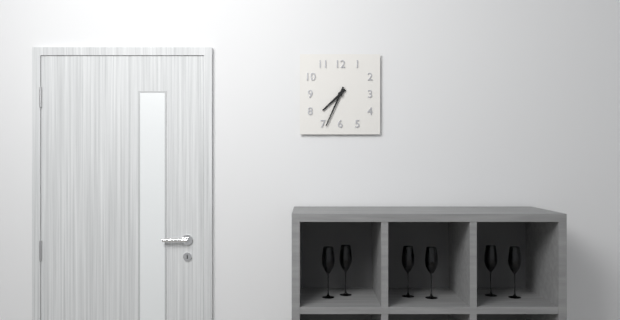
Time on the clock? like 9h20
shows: 7h34
